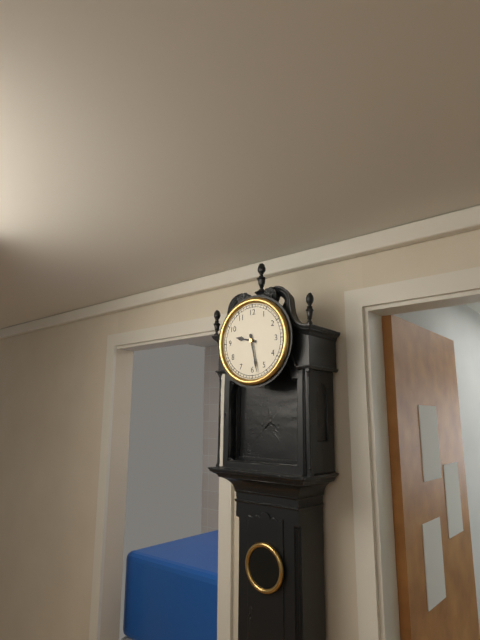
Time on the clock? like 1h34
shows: 9h28
